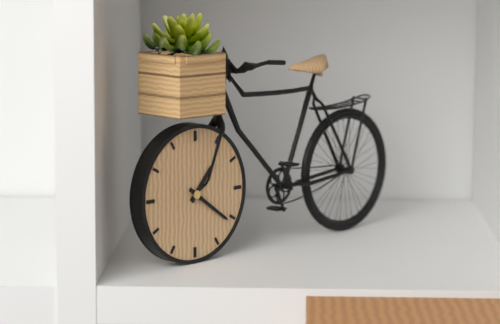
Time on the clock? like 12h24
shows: 1h21
